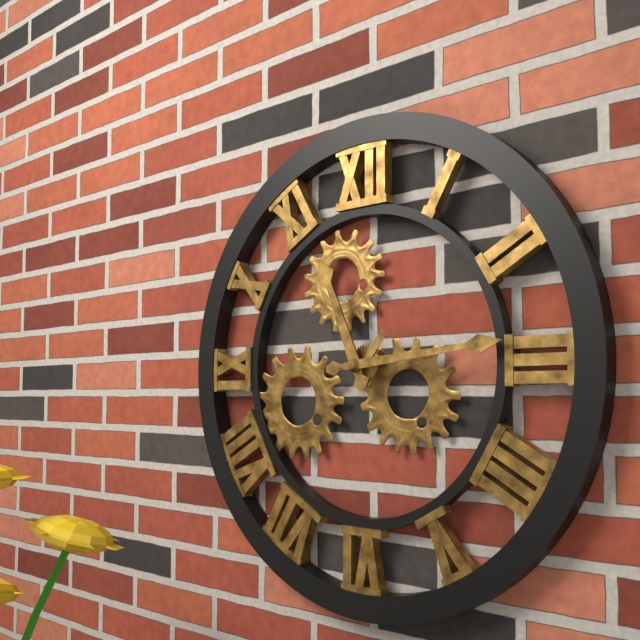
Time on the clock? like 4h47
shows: 11h14
